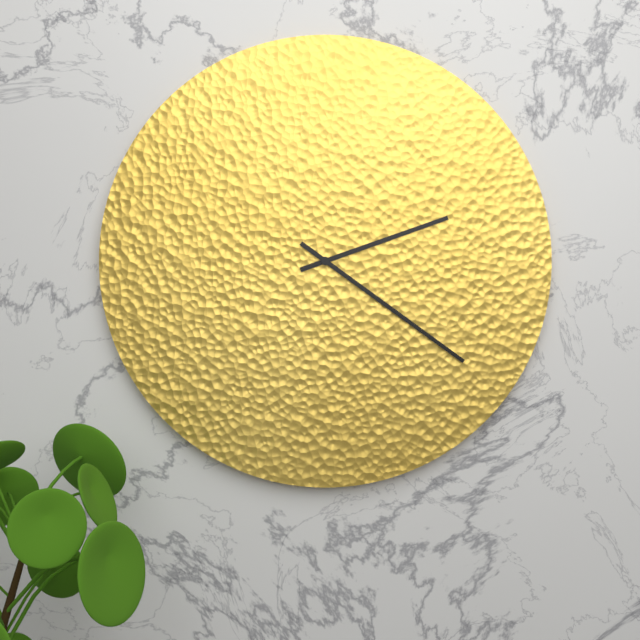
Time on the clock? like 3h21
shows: 2h21
